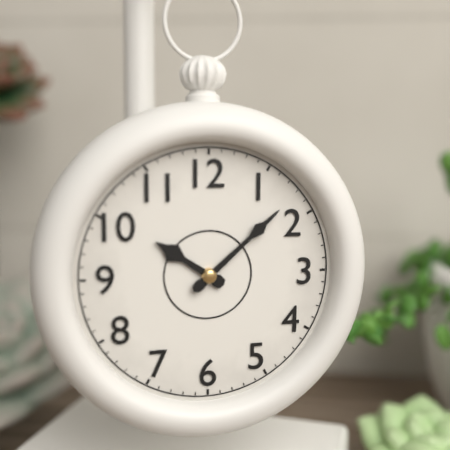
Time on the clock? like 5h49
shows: 10h08
